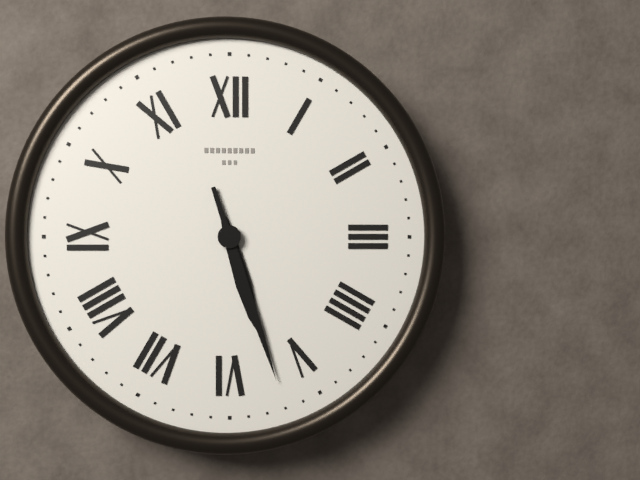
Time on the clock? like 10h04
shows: 5h27
